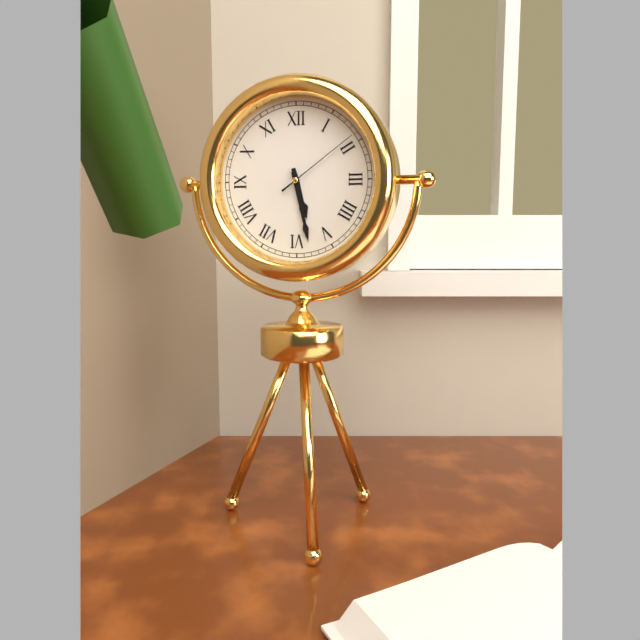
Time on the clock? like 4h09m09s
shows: 5h28m09s
